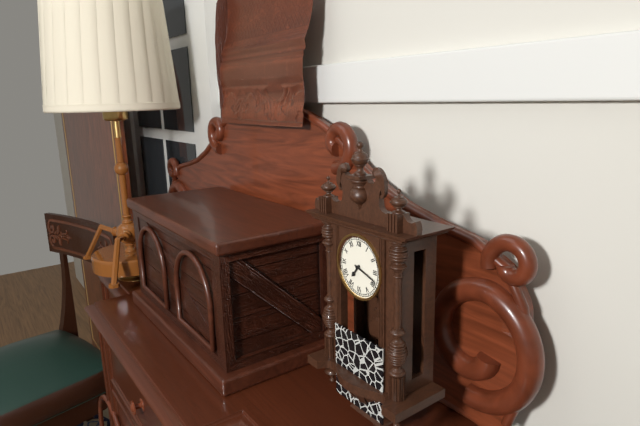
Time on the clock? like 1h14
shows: 7h18
